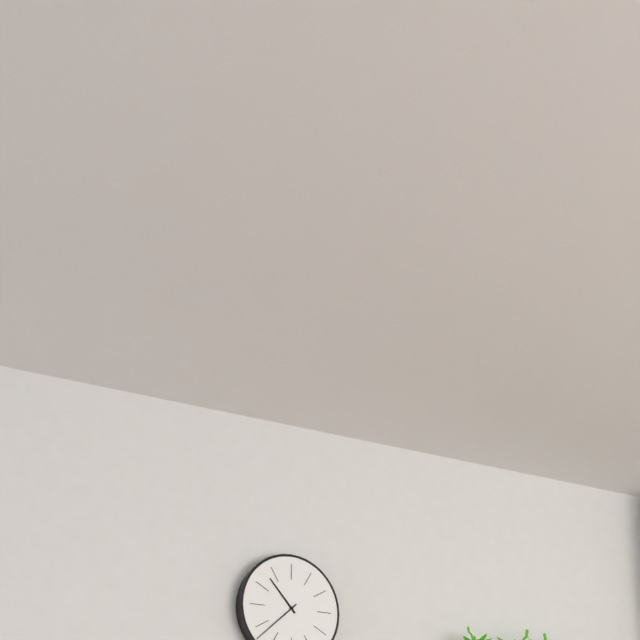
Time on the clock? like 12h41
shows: 10h38
